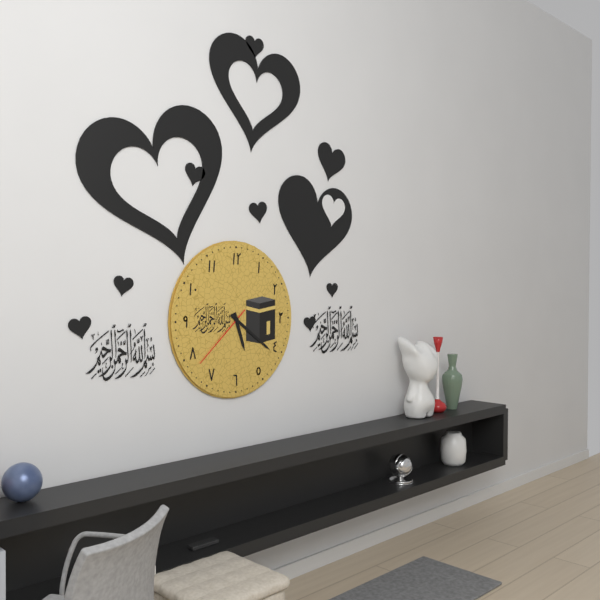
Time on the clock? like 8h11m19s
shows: 5h21m38s
